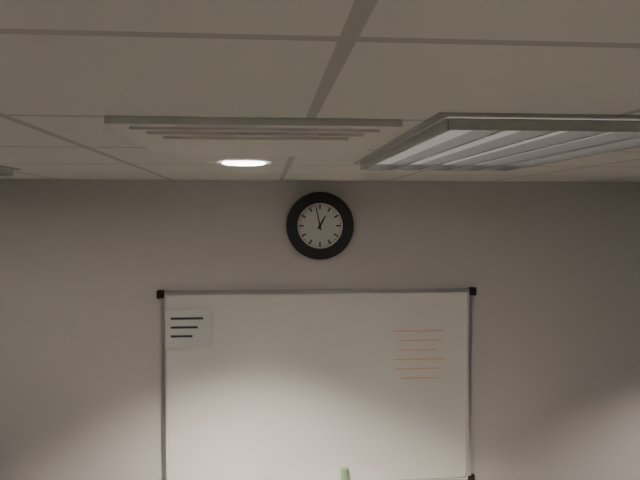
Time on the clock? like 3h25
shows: 12h58
